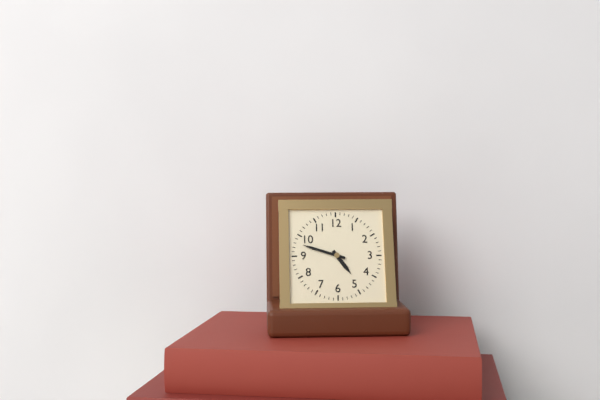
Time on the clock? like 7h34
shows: 4h48
